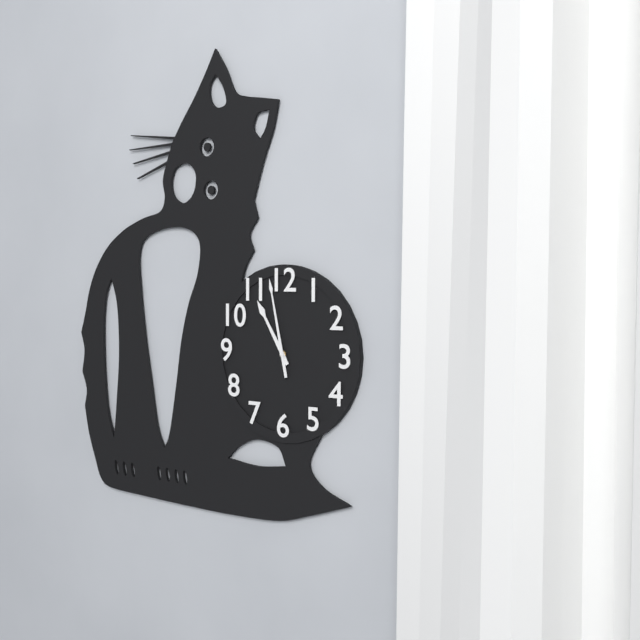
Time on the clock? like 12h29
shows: 10h58
